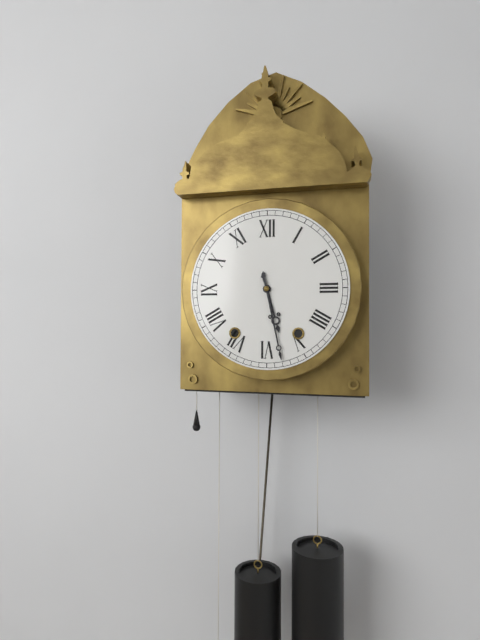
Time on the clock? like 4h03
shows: 5h28
